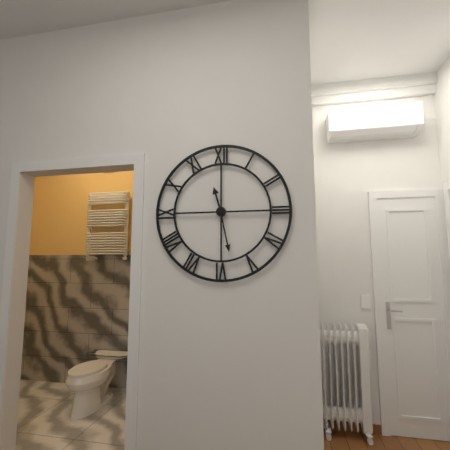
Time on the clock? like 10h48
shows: 11h28
